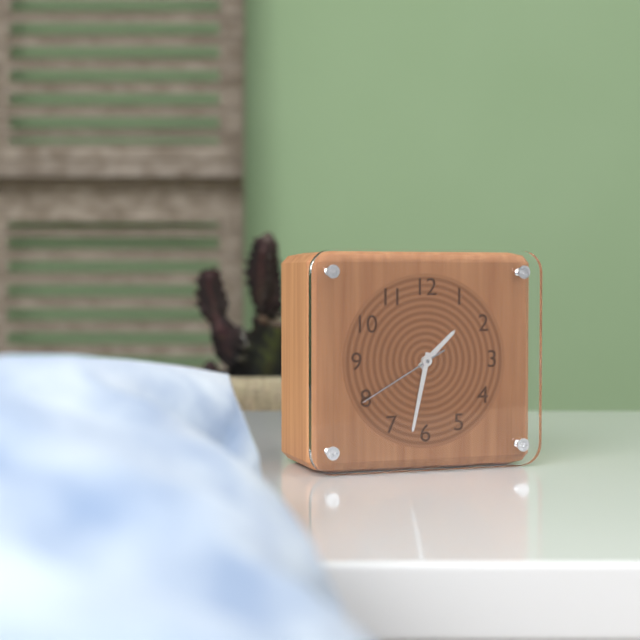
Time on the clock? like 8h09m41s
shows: 1h32m40s
